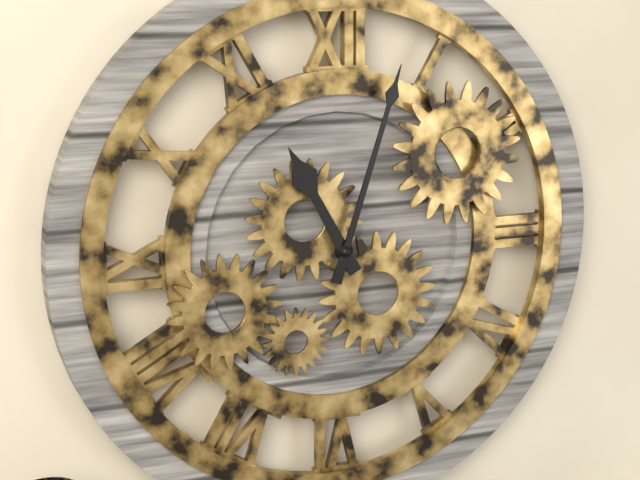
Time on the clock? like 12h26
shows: 11h03
